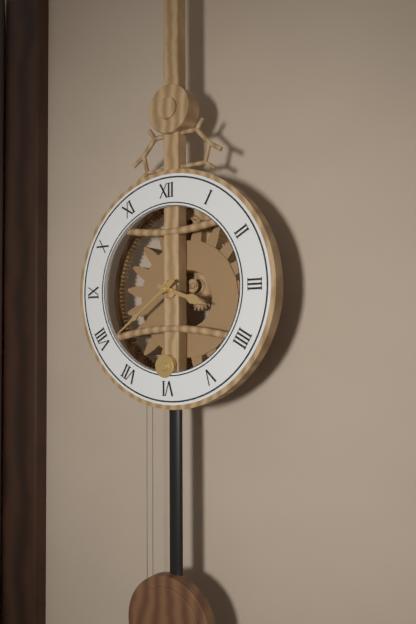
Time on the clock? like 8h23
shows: 3h39
